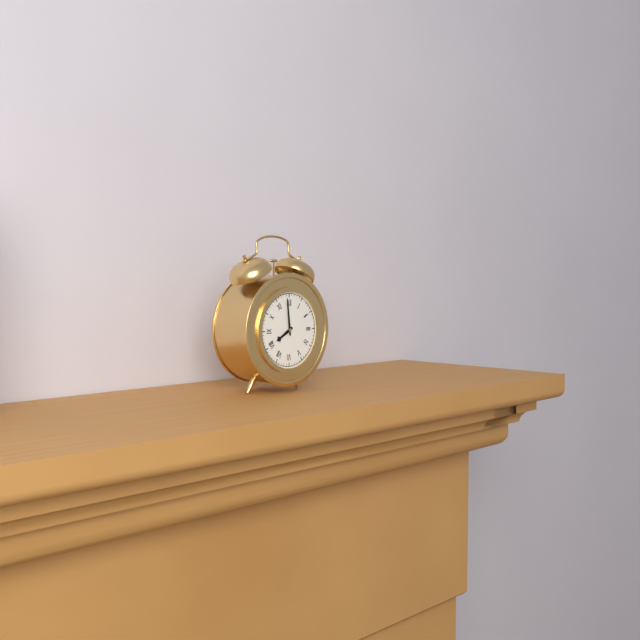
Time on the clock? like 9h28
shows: 7h59
